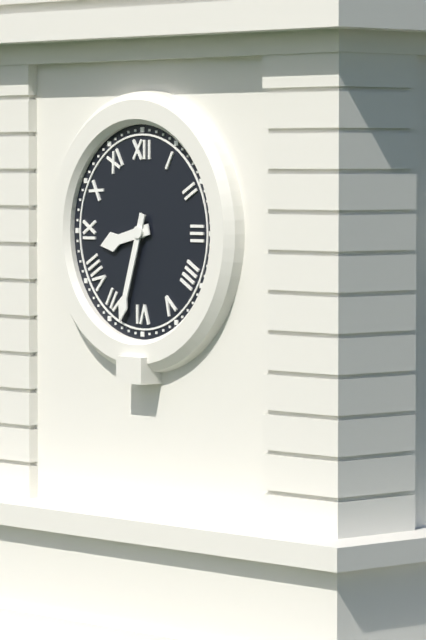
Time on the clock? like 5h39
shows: 8h33
